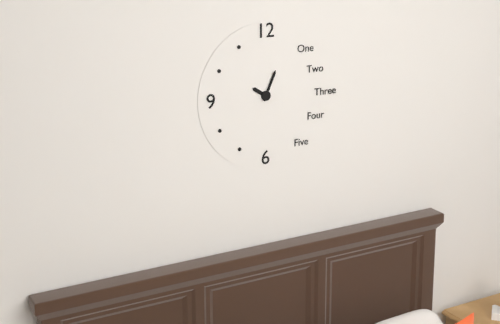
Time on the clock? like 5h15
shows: 10h04
